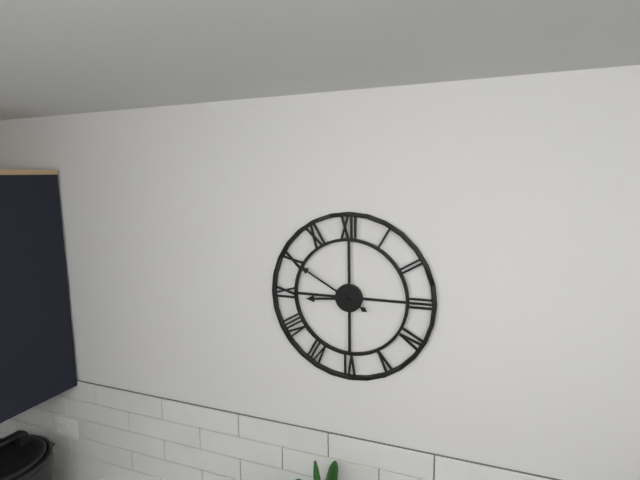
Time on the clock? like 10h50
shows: 8h50
